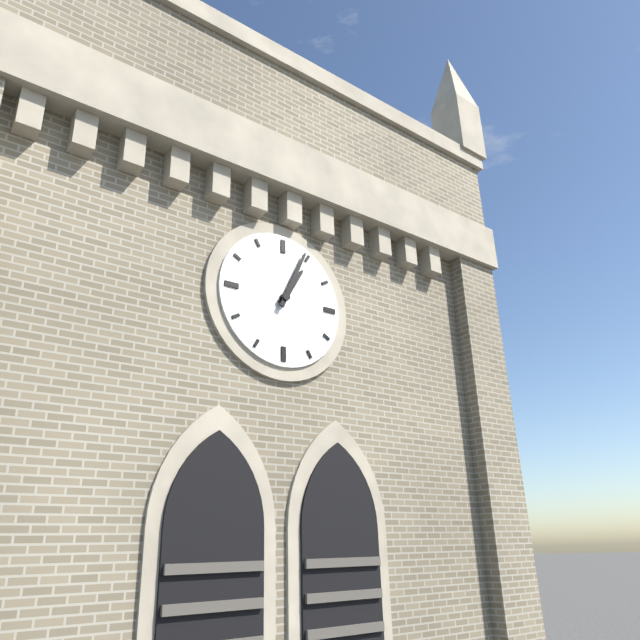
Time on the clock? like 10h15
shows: 1h04
